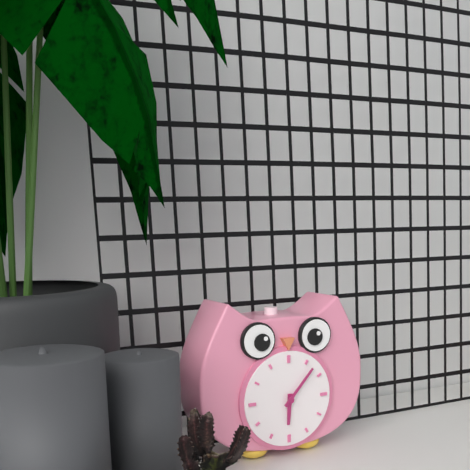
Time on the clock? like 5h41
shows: 6h07
